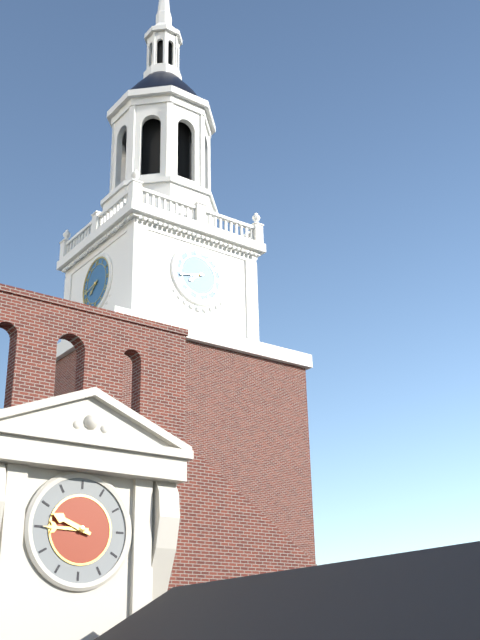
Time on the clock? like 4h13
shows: 7h43
